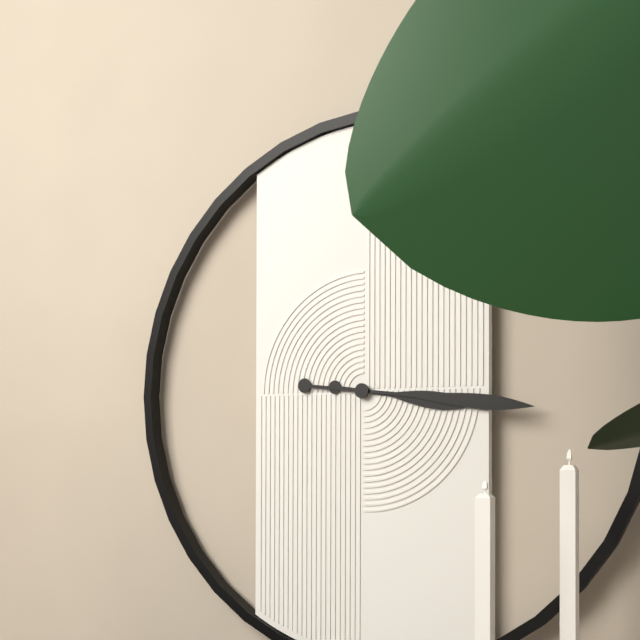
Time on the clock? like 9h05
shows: 3h16
